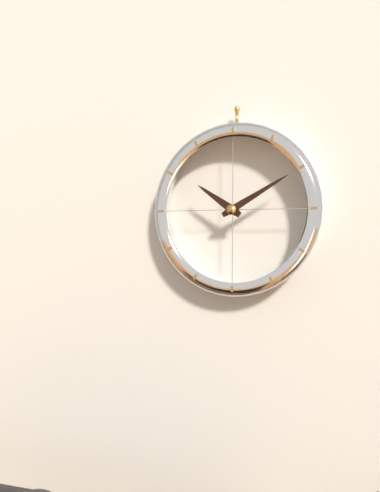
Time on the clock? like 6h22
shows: 10h10
